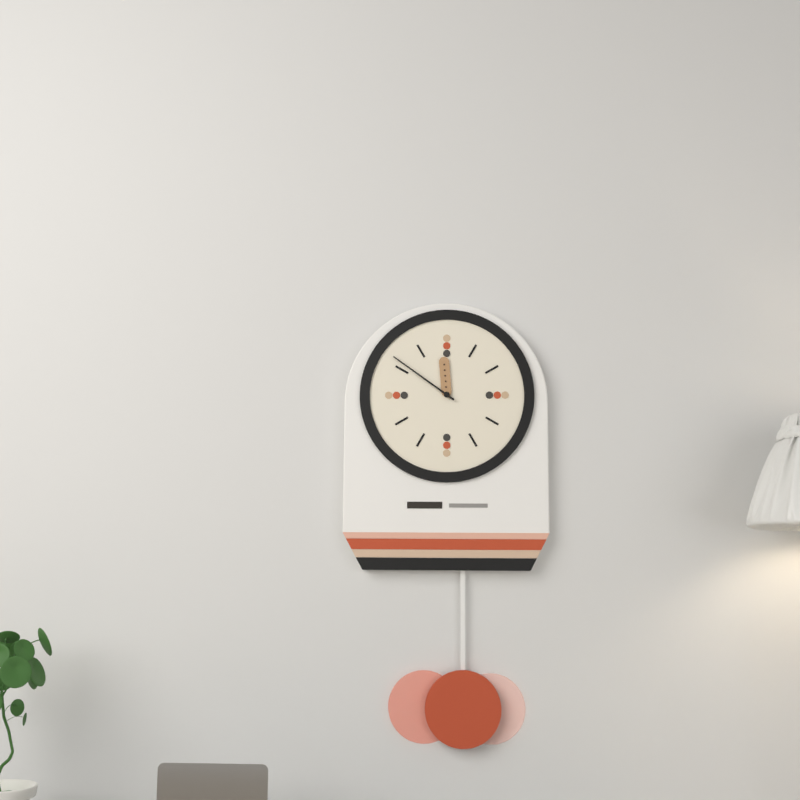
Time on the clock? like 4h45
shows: 11h51
